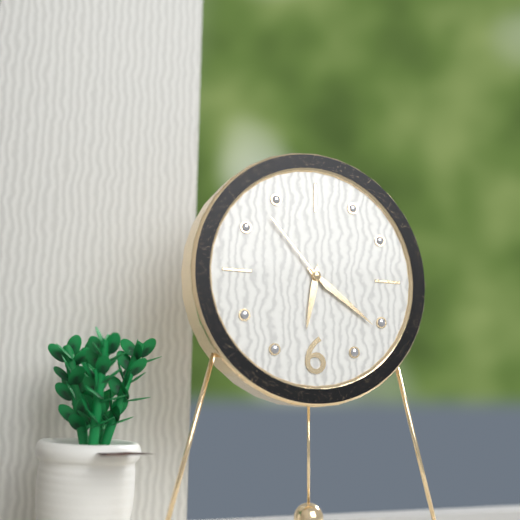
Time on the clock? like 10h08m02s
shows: 6h21m53s
